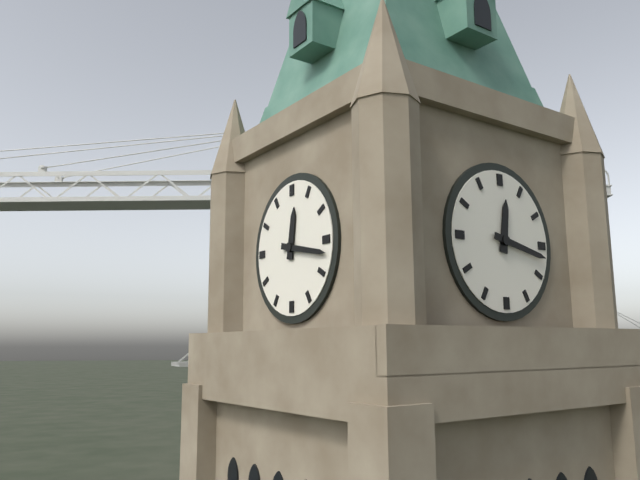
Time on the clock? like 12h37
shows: 12h17
